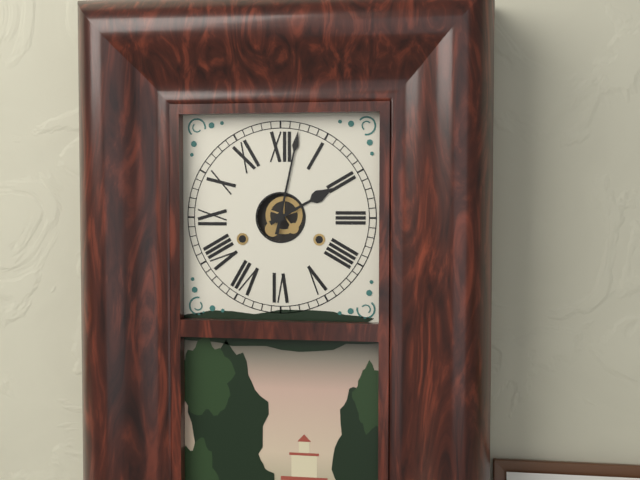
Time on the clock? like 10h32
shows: 2h02
